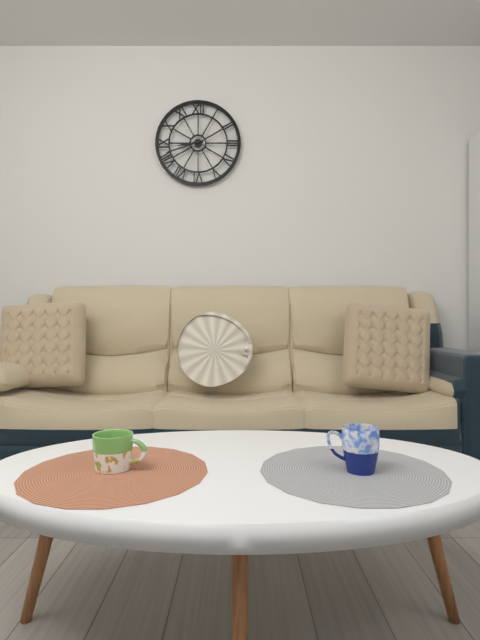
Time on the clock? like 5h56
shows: 8h42
